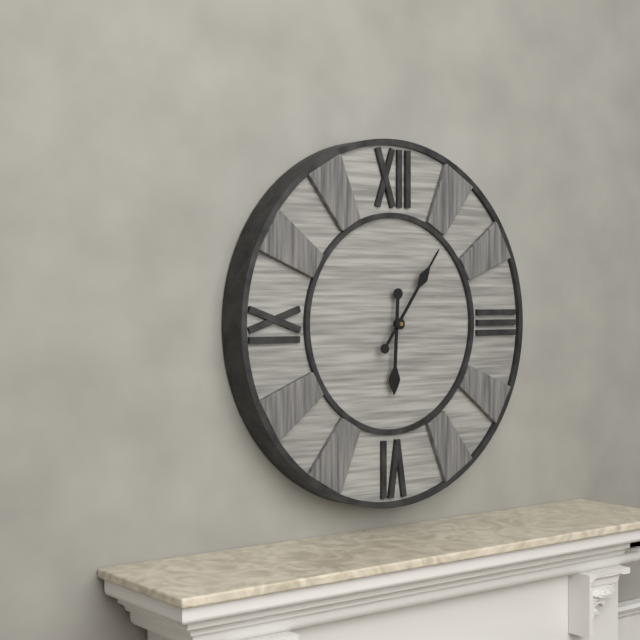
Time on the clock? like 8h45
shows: 6h06
